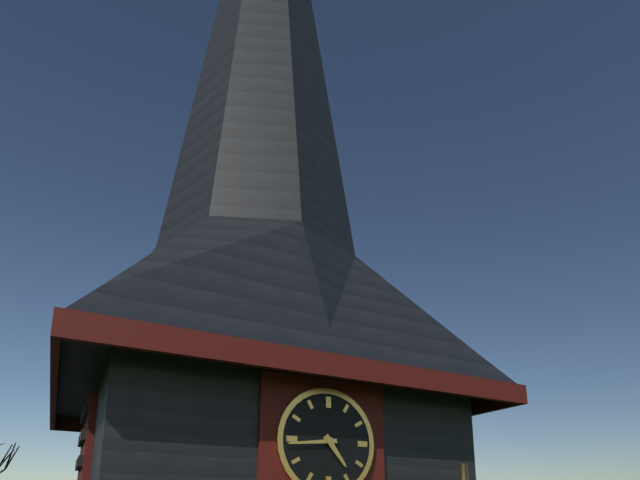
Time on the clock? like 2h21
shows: 4h44
